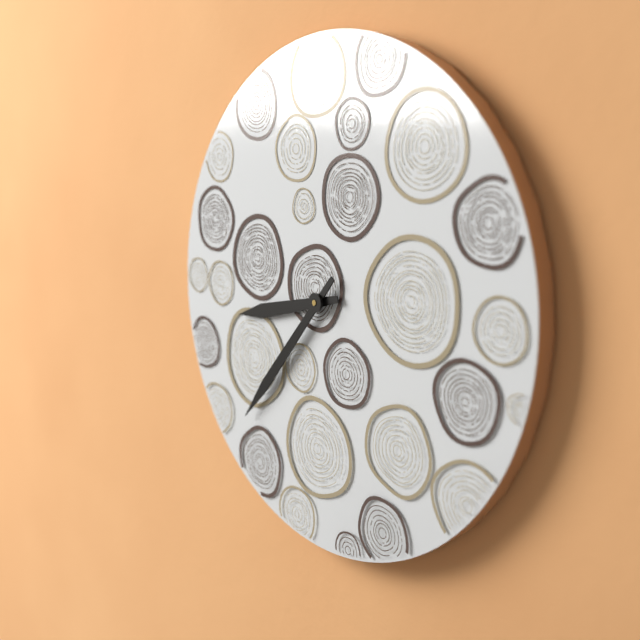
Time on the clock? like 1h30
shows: 8h37
